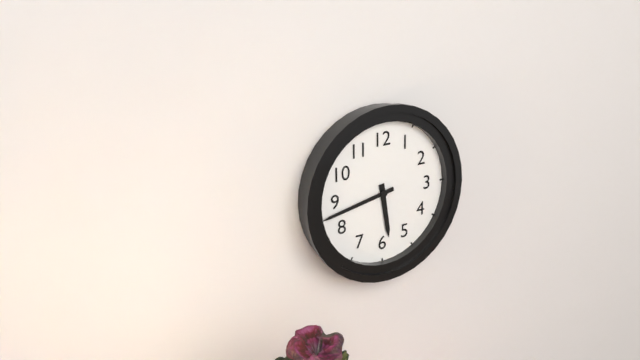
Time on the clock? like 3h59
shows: 5h43
